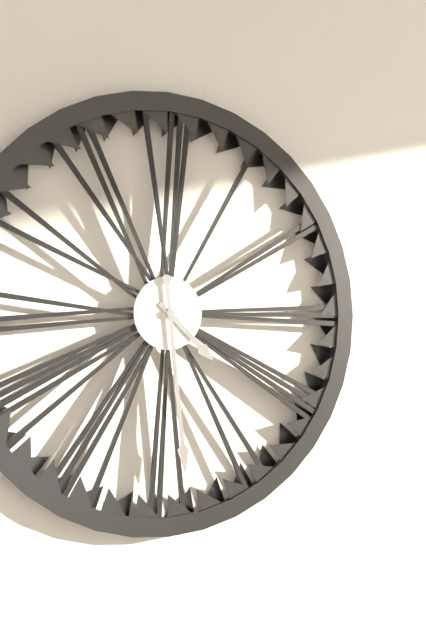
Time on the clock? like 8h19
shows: 4h29
